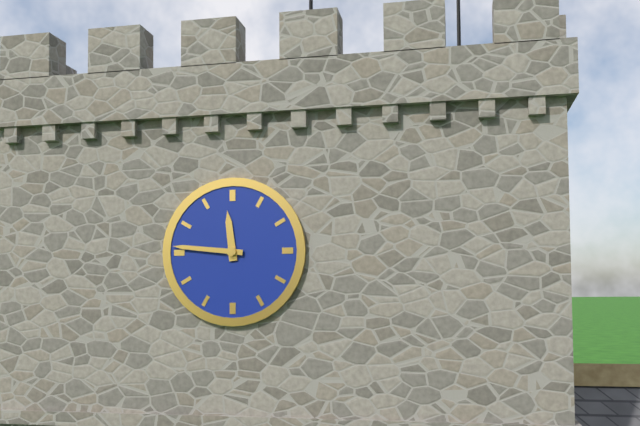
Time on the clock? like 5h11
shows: 11h46
